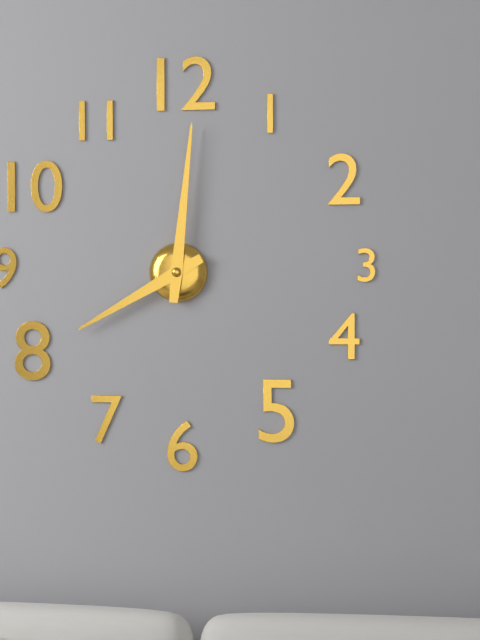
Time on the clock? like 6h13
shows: 8h01
